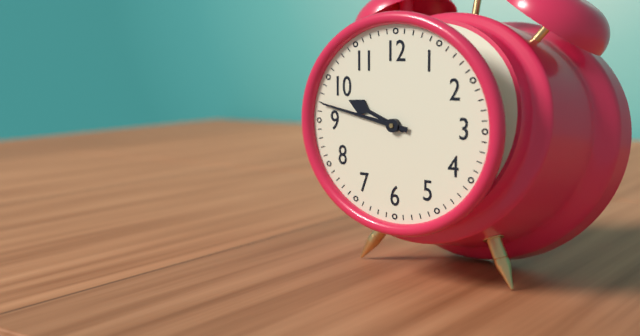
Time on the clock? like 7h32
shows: 9h47
